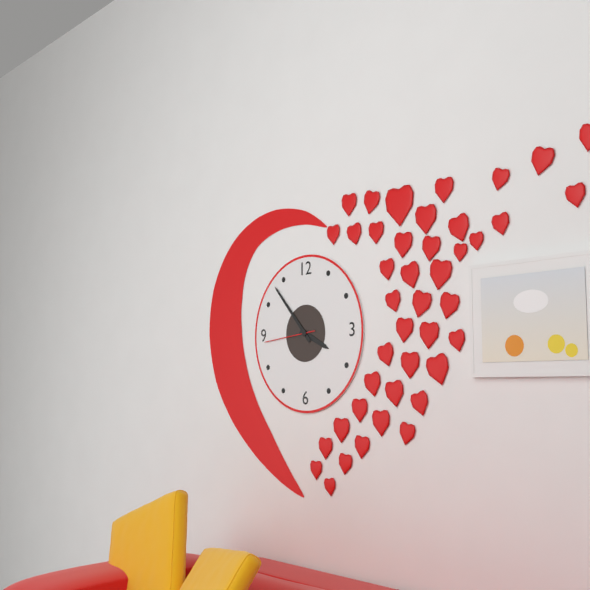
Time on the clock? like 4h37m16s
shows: 3h53m44s
